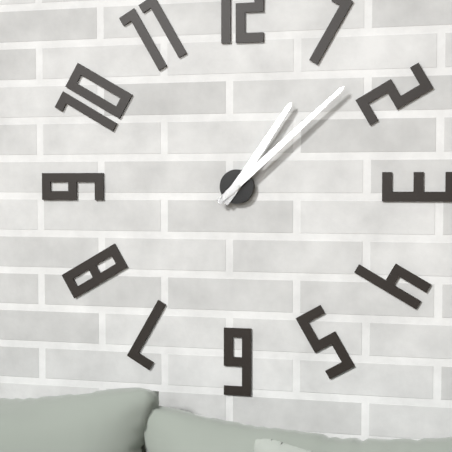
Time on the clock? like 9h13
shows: 1h08
